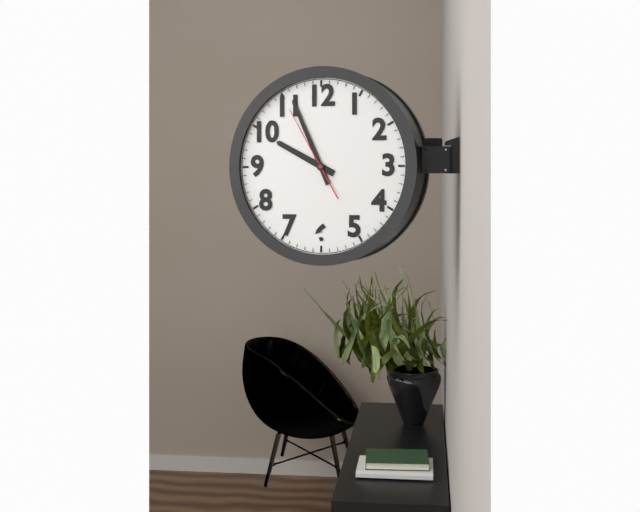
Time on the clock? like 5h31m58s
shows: 9h56m55s
